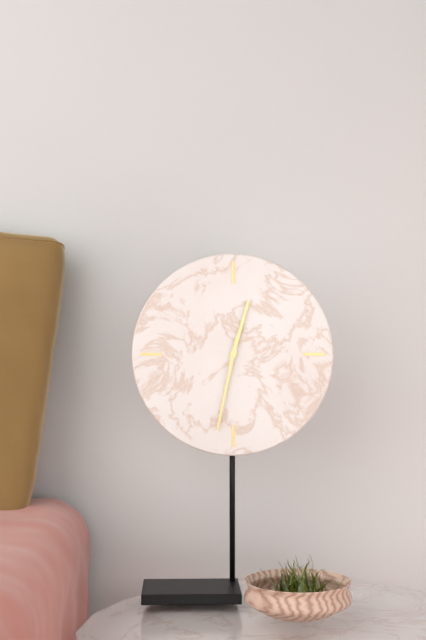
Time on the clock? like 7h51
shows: 12h32
